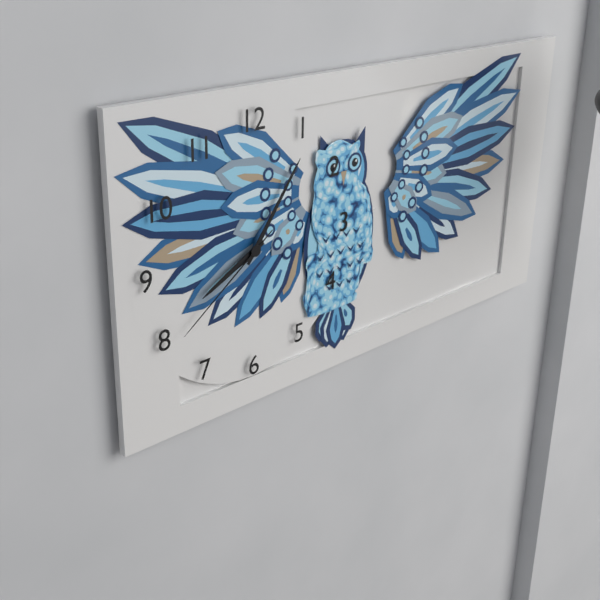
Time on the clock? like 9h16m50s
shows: 8h06m39s
